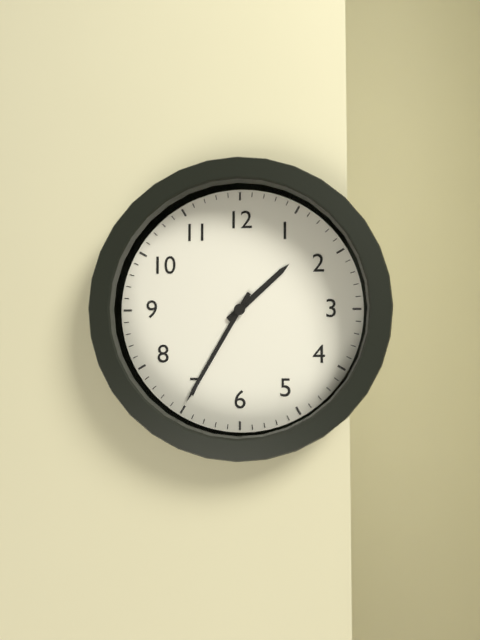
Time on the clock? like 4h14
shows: 1h35
